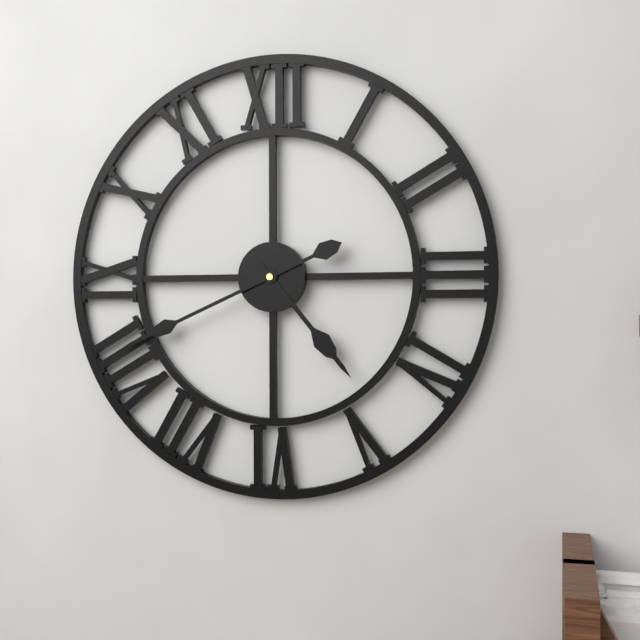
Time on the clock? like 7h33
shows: 4h41
